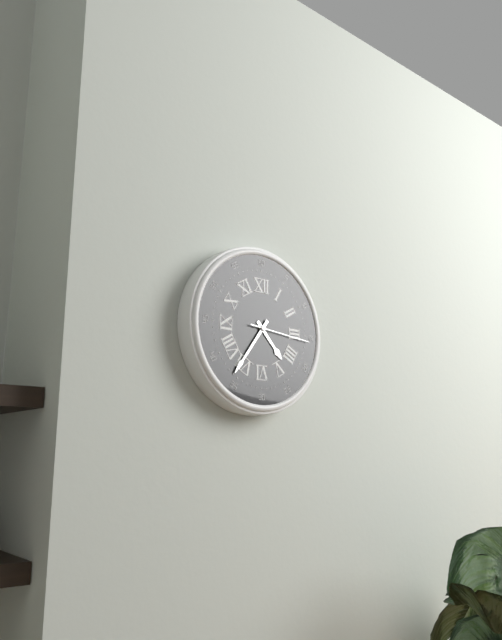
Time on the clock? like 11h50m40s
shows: 4h36m16s
